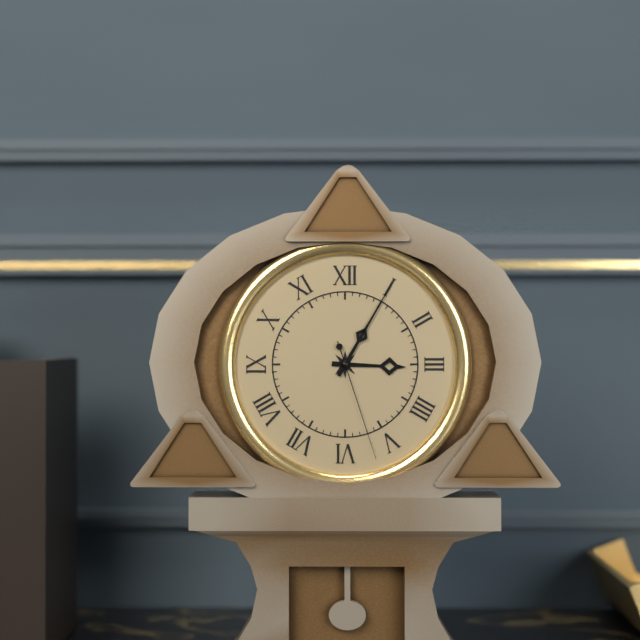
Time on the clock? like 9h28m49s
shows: 3h05m27s
